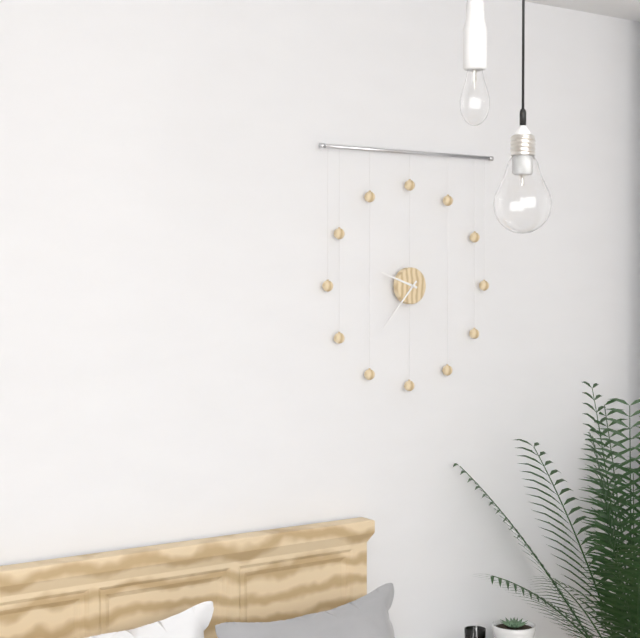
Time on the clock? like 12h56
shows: 9h37
